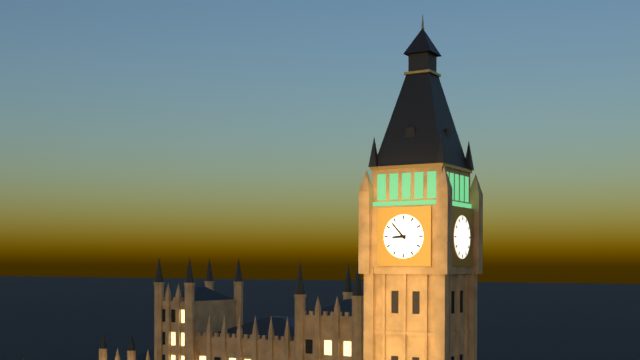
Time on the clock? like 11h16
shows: 8h53
